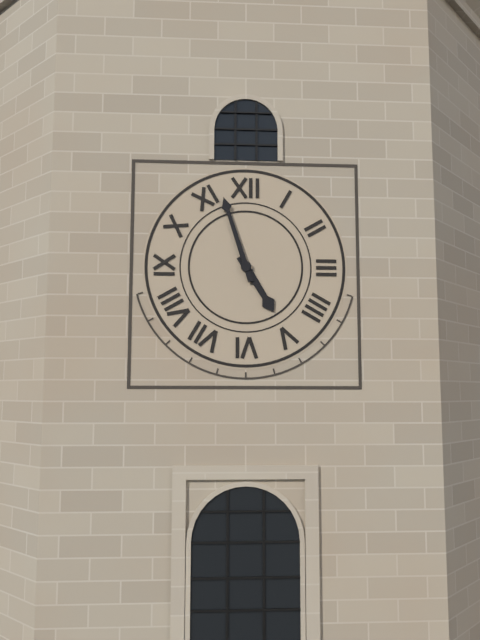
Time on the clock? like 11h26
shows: 4h57
